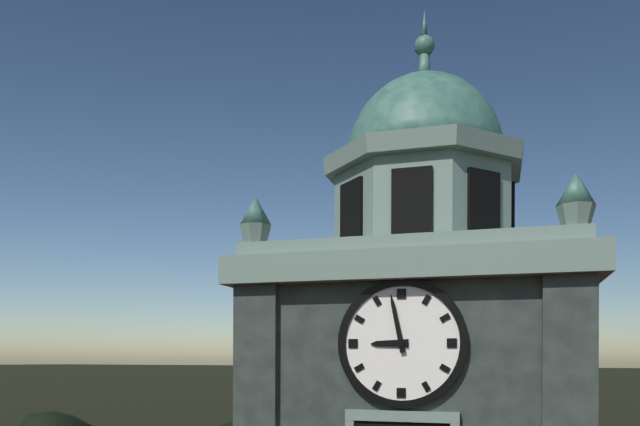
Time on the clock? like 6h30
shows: 8h58
